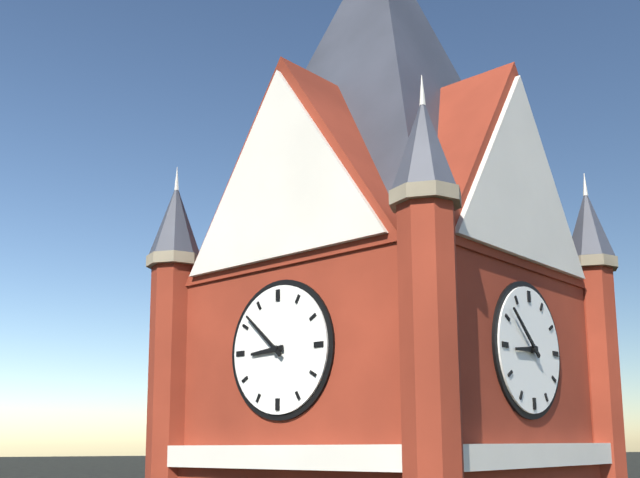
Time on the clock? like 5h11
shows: 8h52
